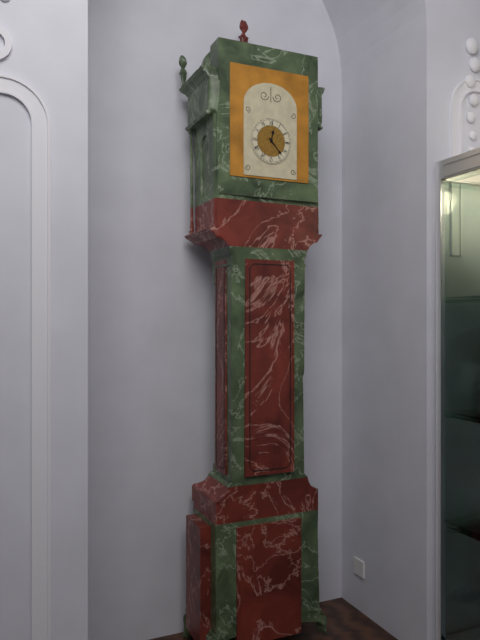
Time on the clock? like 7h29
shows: 12h23
